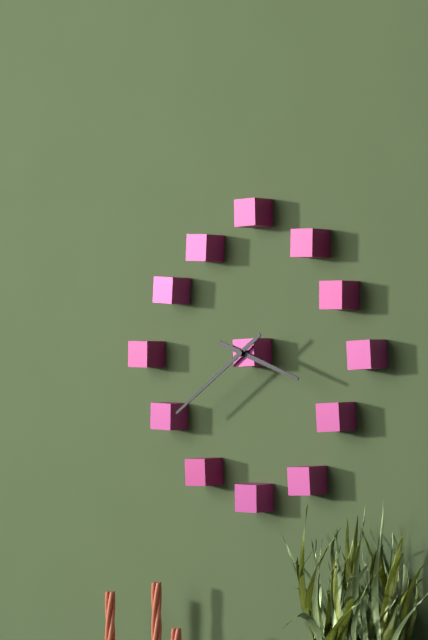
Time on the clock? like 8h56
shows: 3h39
